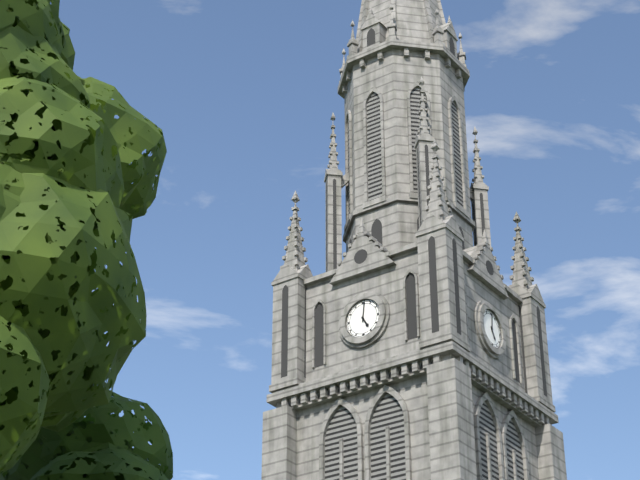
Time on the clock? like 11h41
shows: 5h01
